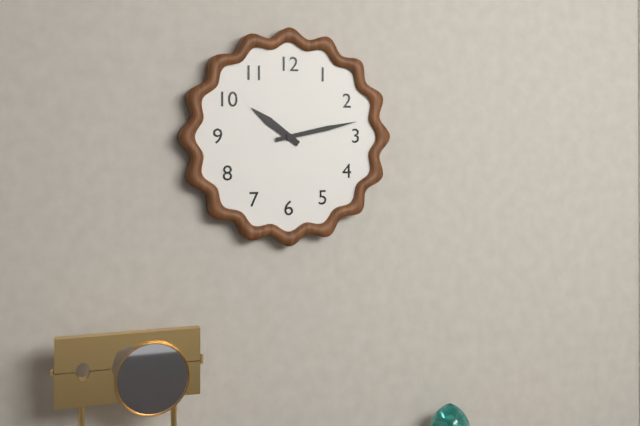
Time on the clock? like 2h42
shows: 10h13
